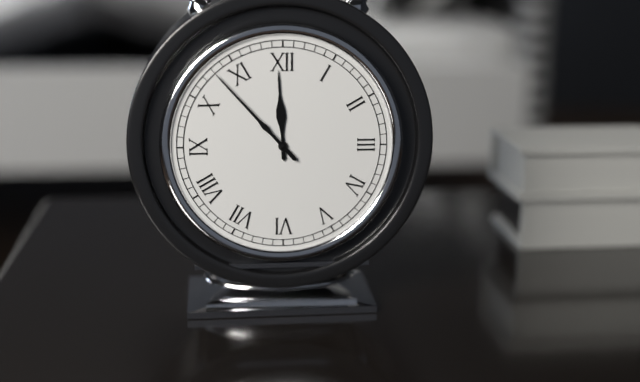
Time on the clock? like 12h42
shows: 11h53
